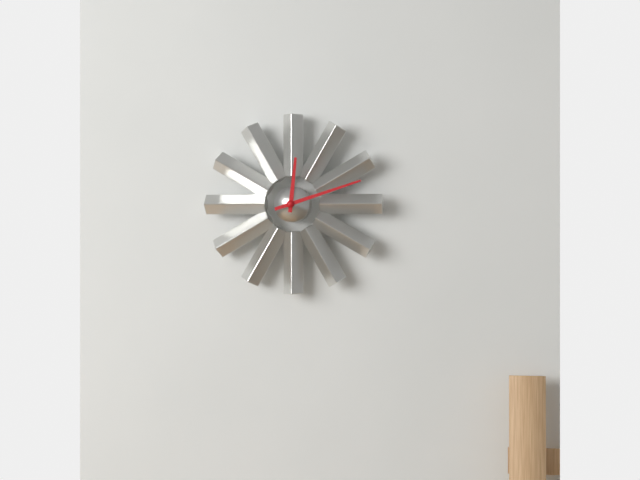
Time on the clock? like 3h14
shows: 12h12
